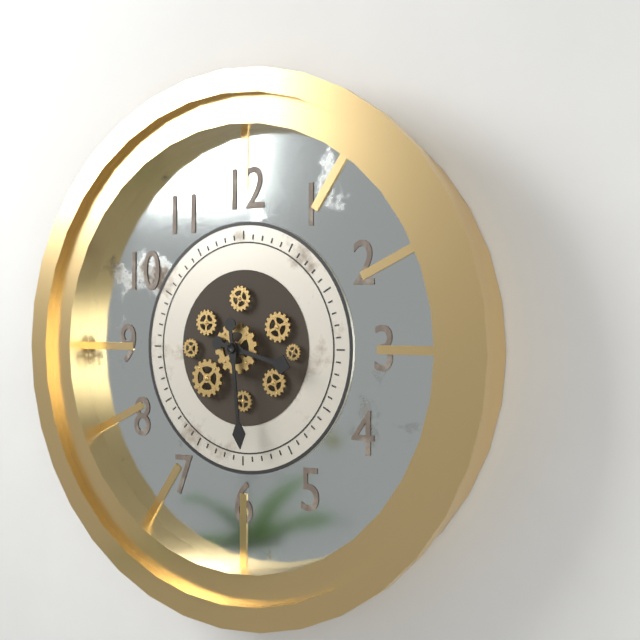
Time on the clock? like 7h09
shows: 3h29
